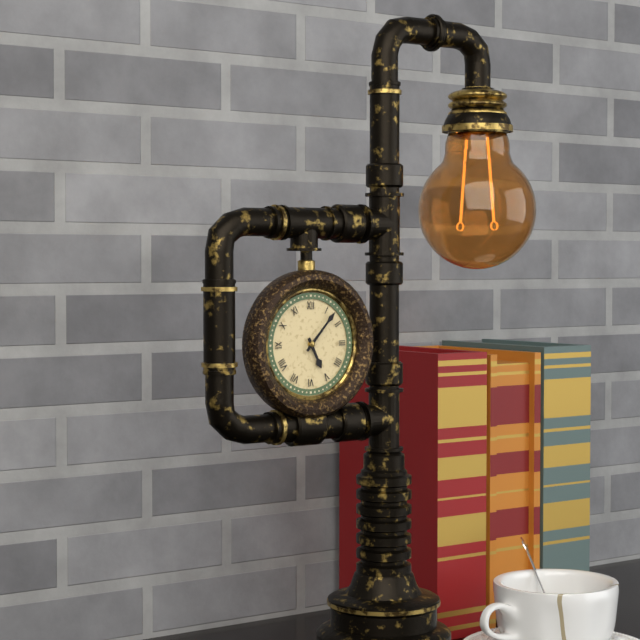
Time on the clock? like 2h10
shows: 5h07
